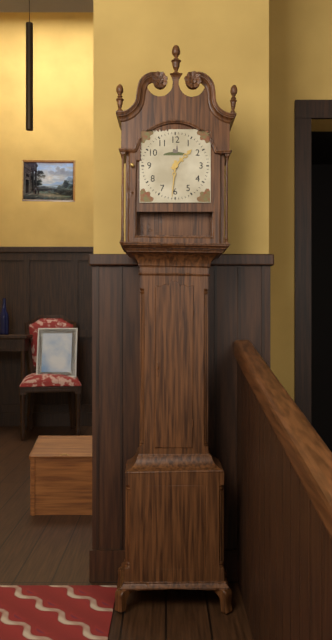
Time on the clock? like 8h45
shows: 1h31
